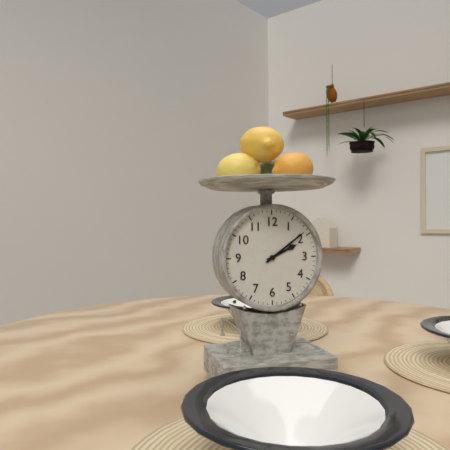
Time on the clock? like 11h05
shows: 2h09
